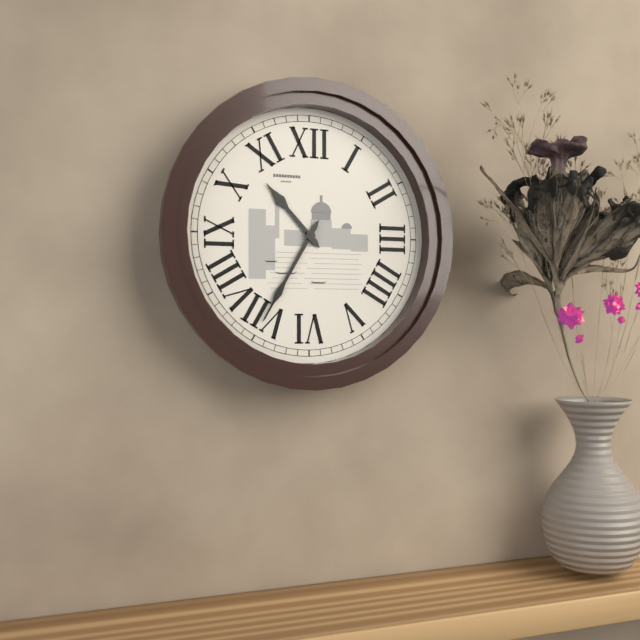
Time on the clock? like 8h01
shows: 10h35
